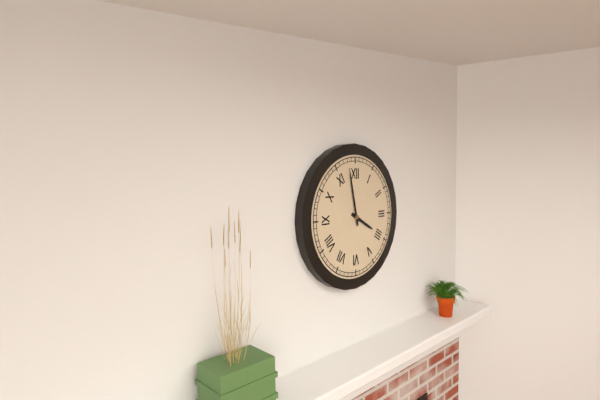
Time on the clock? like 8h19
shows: 3h58
